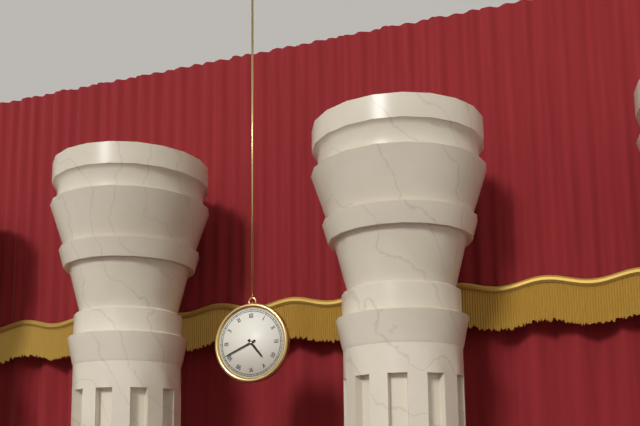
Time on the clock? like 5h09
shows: 4h41
